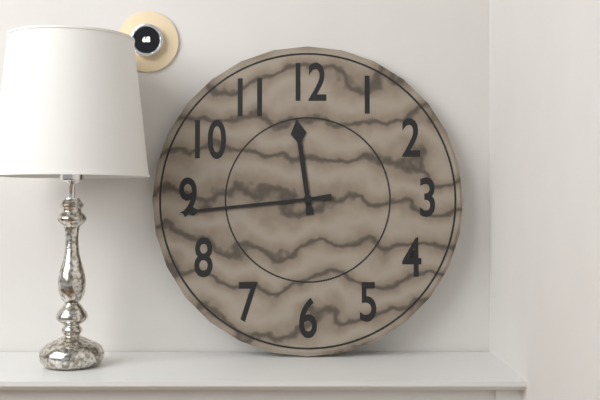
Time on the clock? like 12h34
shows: 11h44
